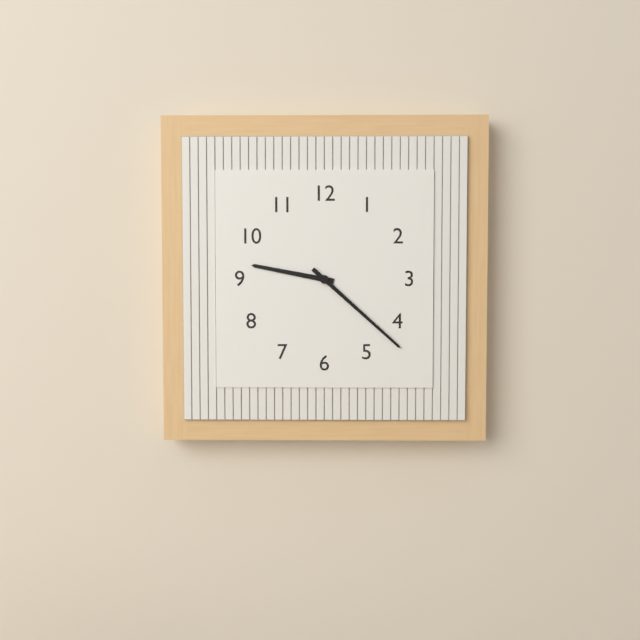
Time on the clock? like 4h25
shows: 9h22
